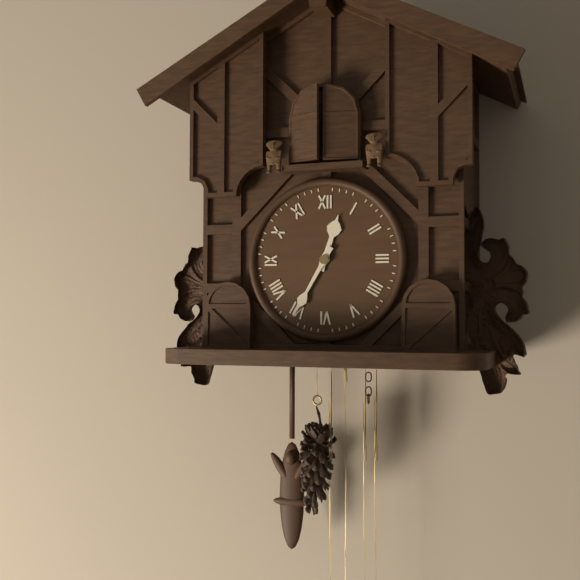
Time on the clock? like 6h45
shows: 12h35
